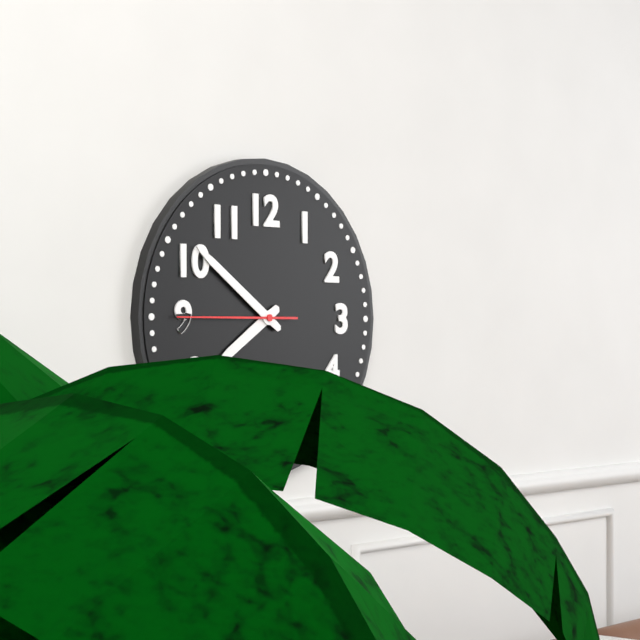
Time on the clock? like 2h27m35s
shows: 7h51m45s
